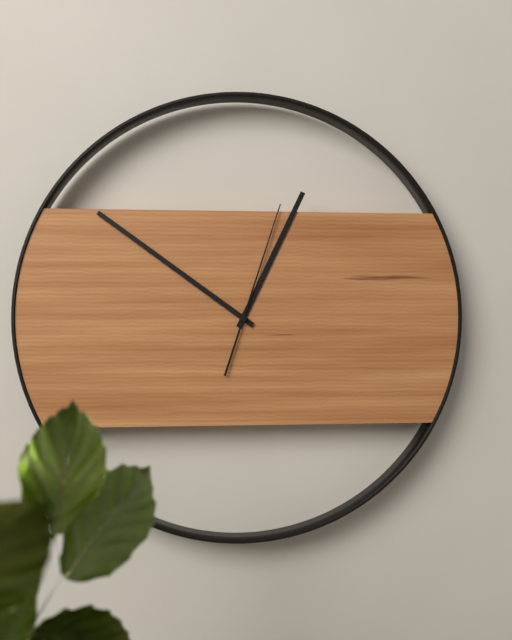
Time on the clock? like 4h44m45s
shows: 12h51m03s
